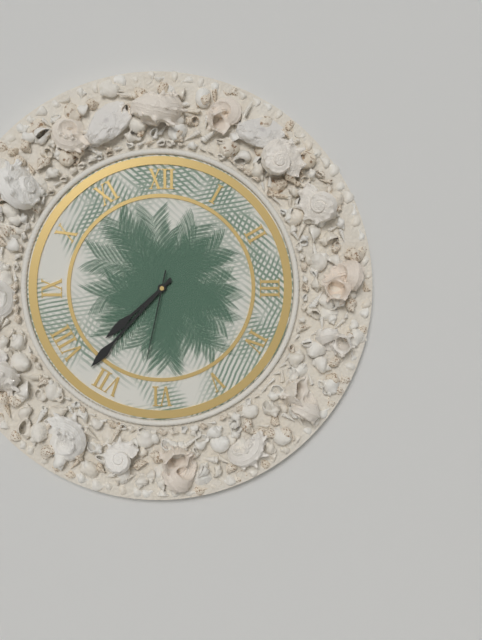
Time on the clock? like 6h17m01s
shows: 7h37m32s
